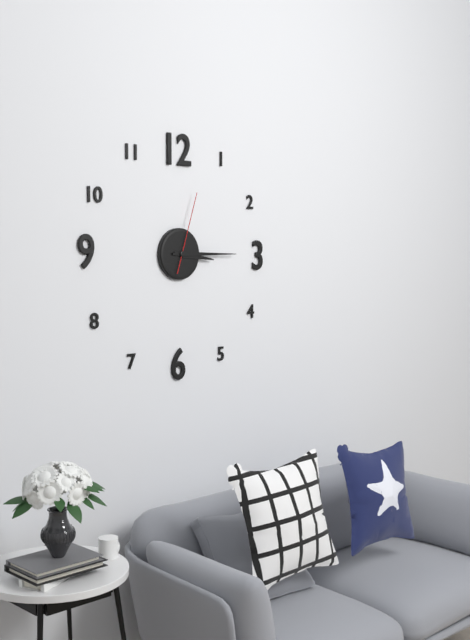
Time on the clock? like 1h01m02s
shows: 3h15m03s
